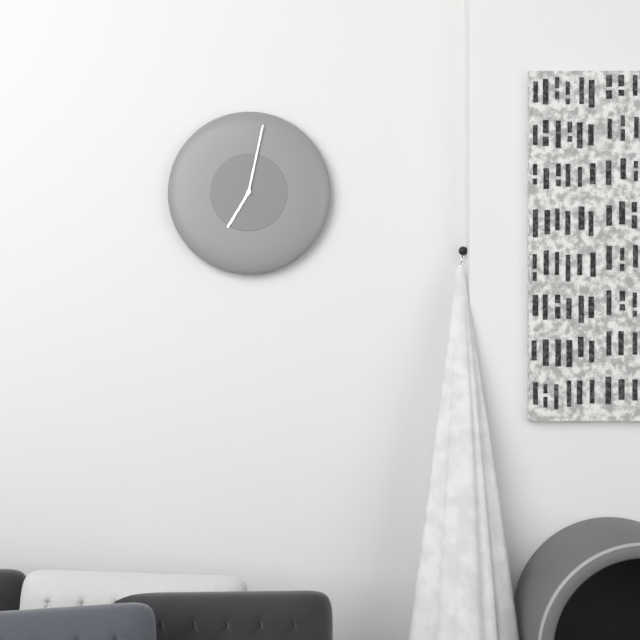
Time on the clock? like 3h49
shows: 7h02
